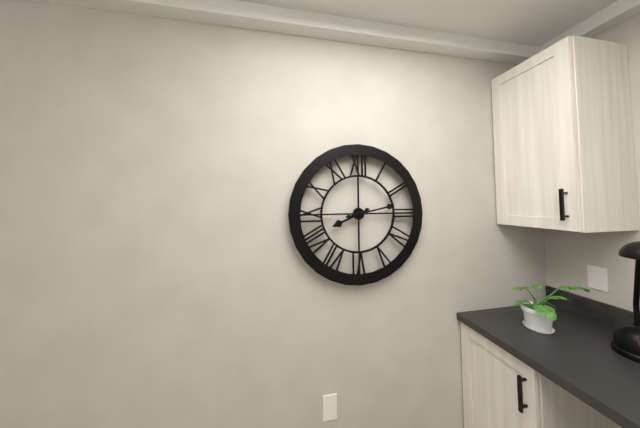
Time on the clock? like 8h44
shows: 8h13
